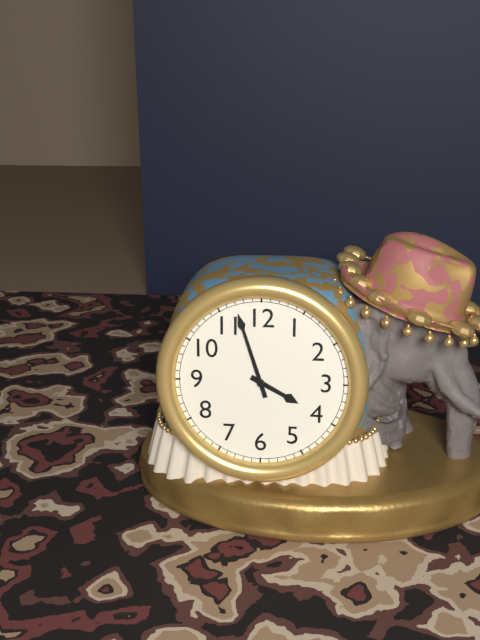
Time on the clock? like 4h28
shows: 3h57
